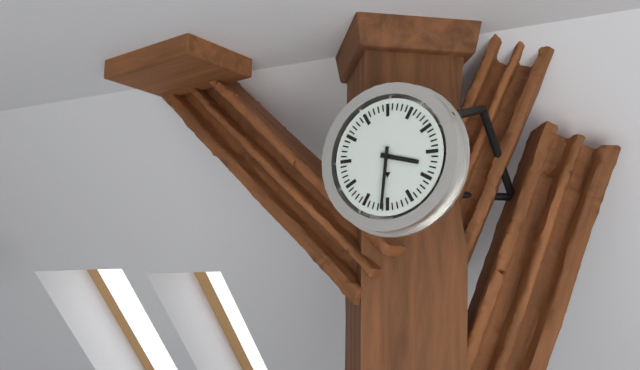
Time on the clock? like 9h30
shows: 3h31
